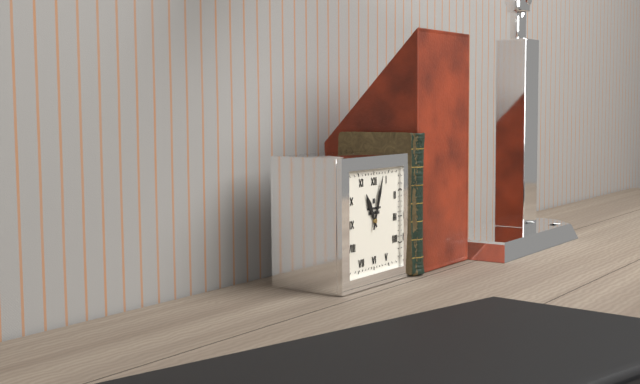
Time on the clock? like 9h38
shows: 11h03
